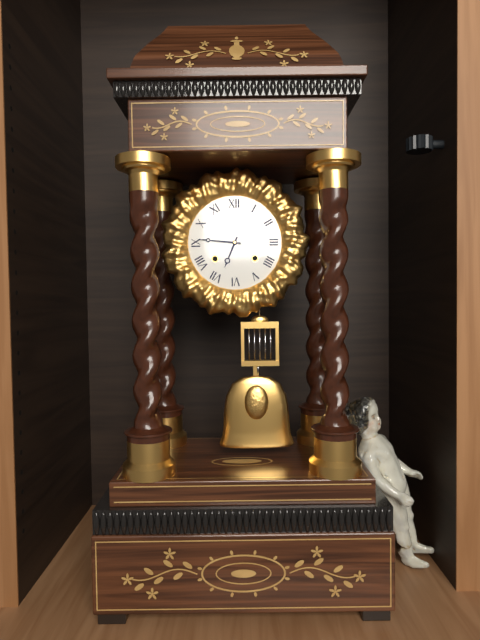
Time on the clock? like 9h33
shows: 6h46
